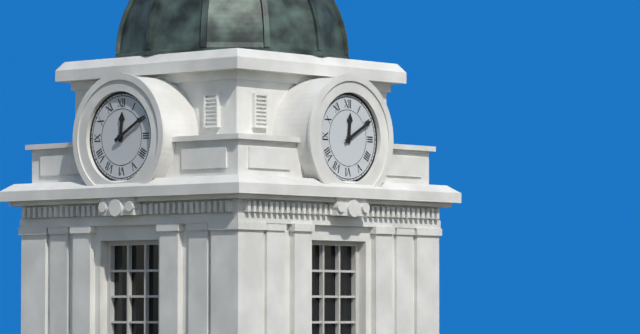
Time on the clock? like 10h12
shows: 12h10
